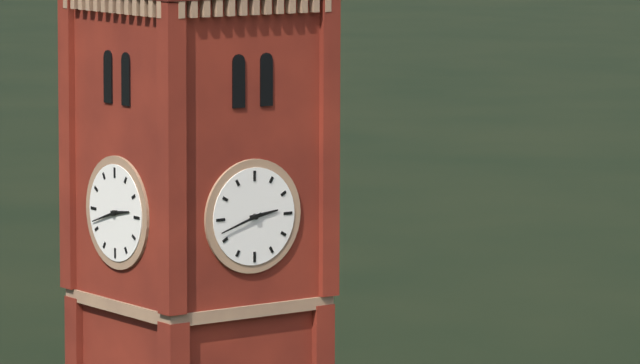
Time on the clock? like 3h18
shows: 2h42
